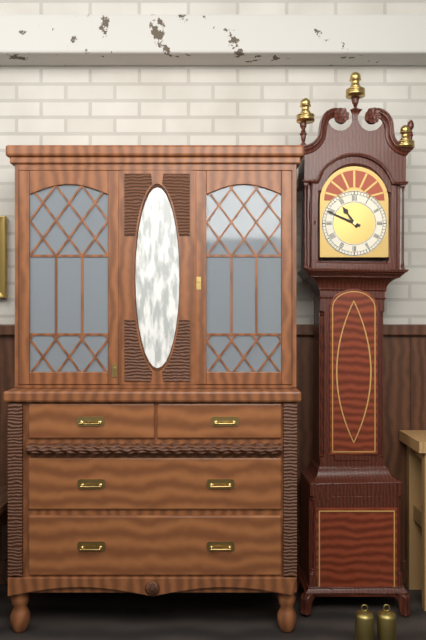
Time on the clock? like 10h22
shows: 10h49
